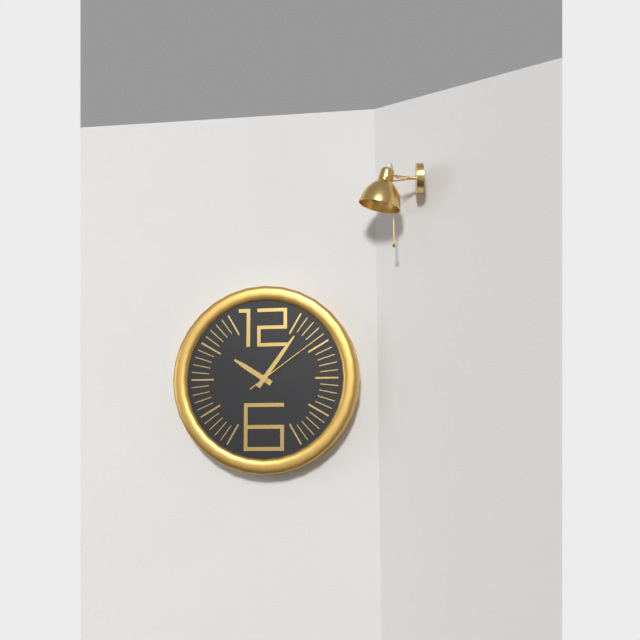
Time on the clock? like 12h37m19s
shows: 10h06m09s
